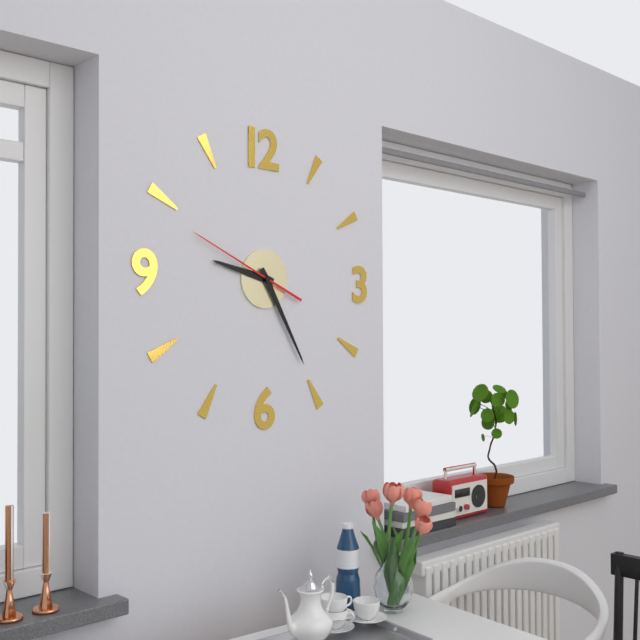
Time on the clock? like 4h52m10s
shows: 9h25m49s
